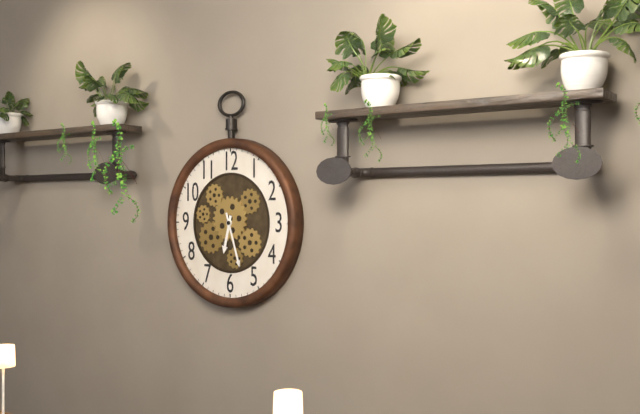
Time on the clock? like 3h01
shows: 6h27
